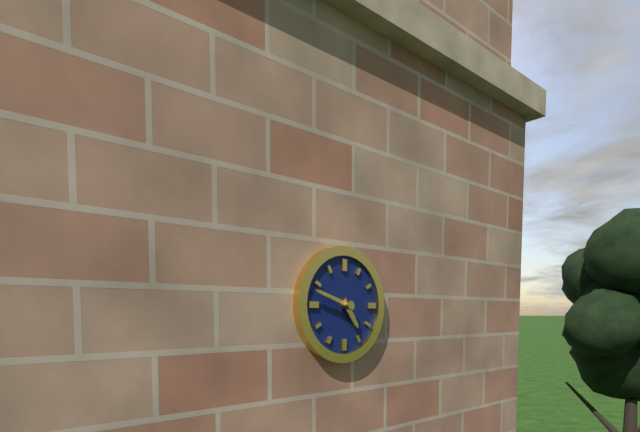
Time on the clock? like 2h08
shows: 4h48
